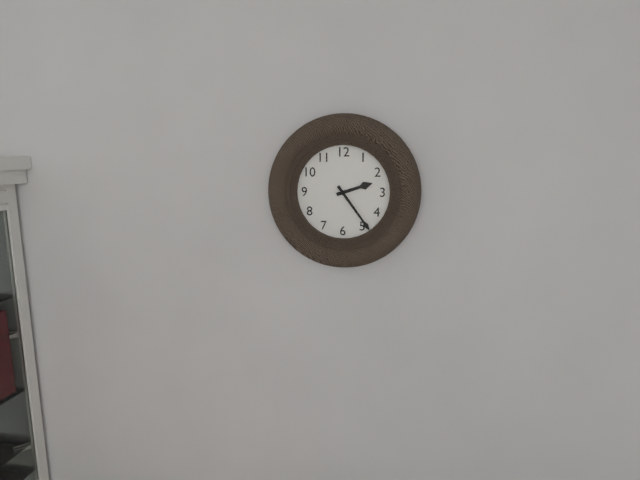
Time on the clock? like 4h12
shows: 2h24
